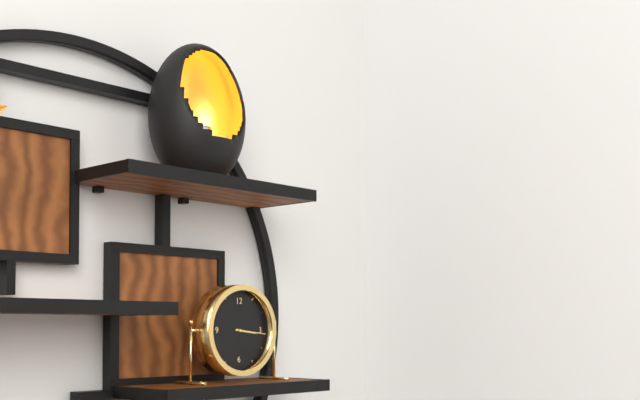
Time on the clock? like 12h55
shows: 3h16
